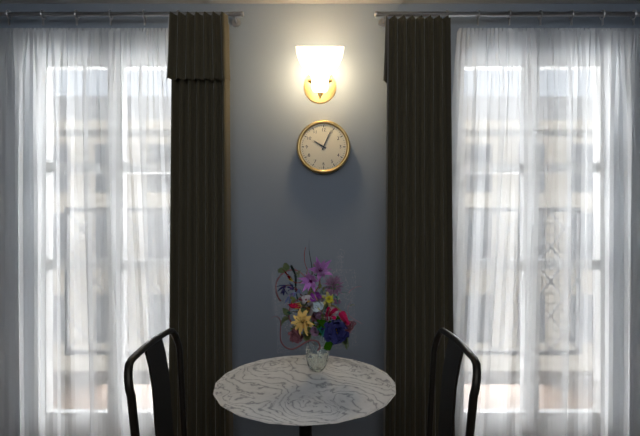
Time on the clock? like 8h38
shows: 10h04
